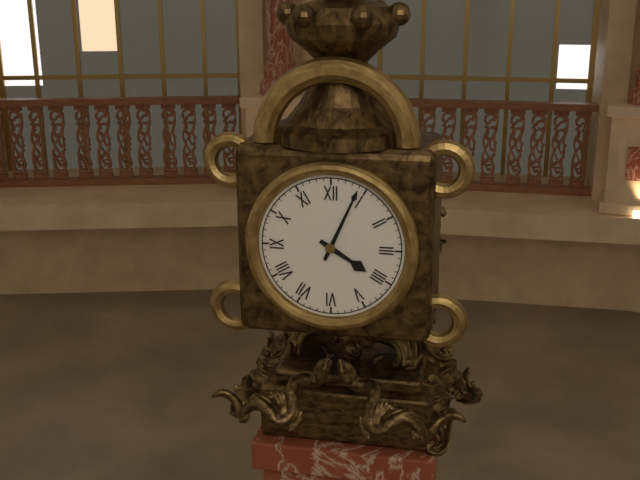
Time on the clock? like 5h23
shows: 4h04
